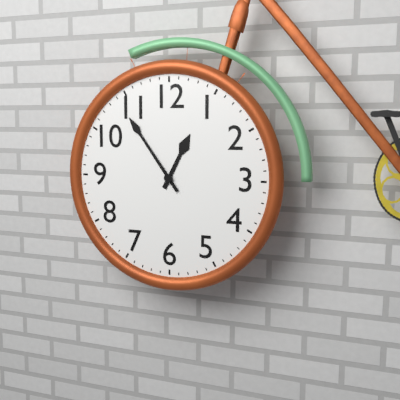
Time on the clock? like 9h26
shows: 12h54
